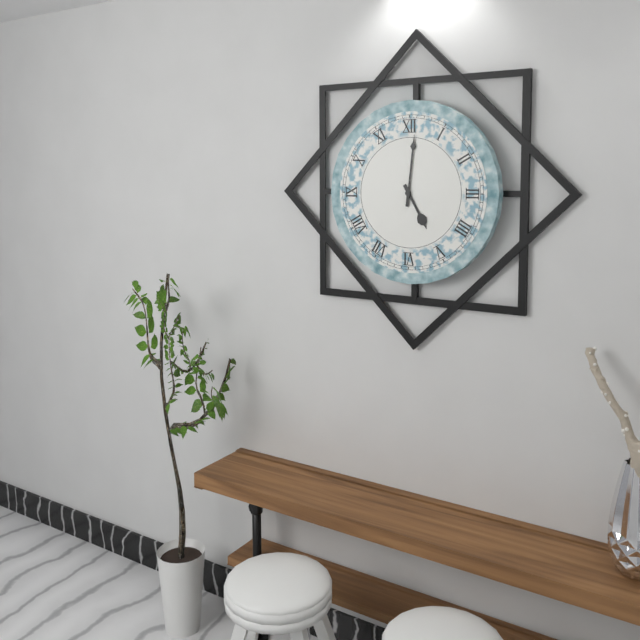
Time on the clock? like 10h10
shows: 5h01
